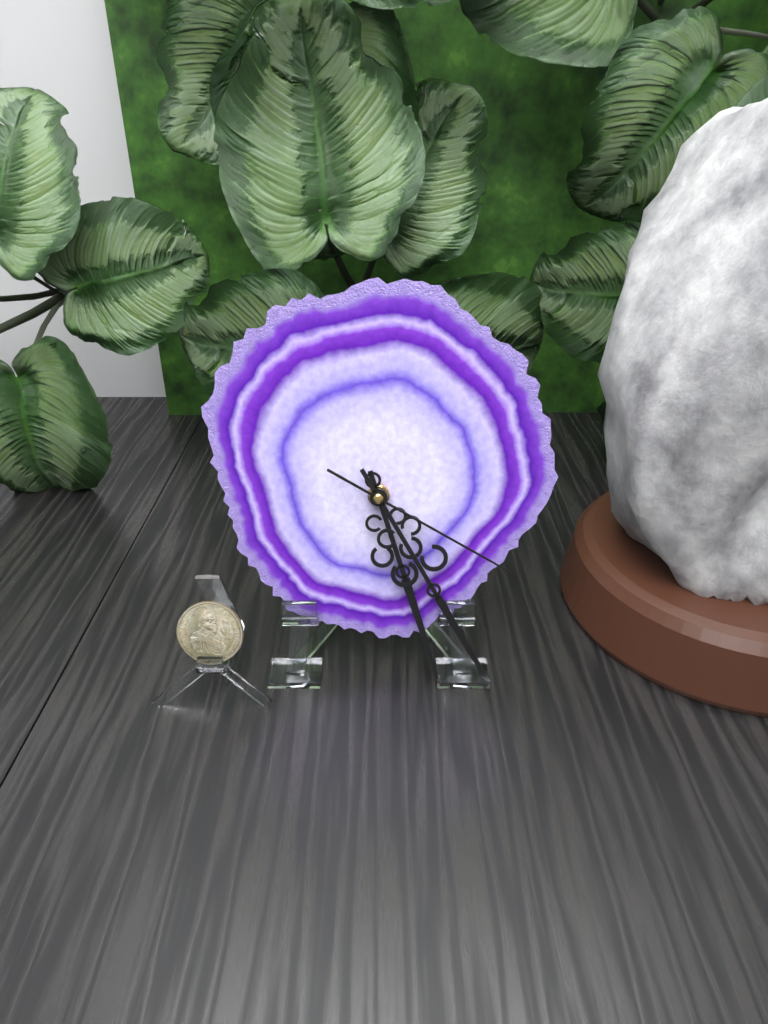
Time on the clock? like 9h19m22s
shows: 5h25m20s
